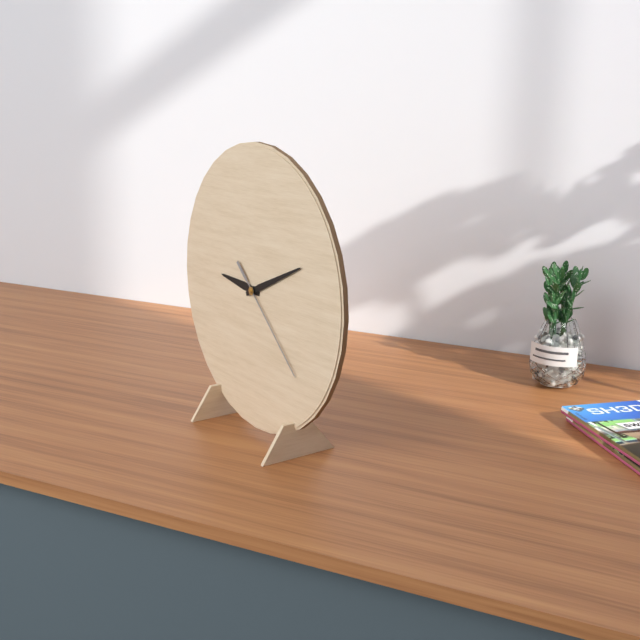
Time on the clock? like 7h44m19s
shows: 9h11m22s
